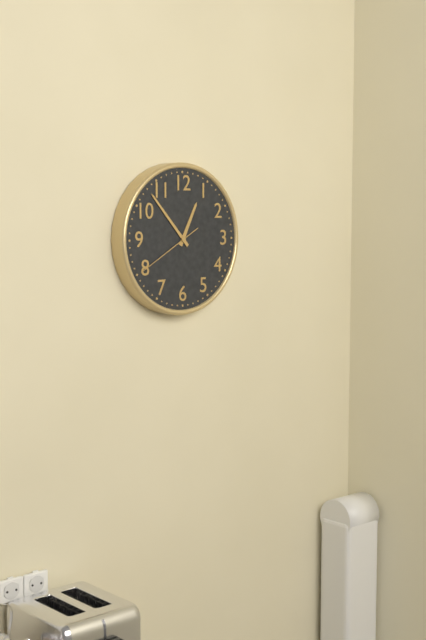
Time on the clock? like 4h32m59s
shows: 12h53m40s
